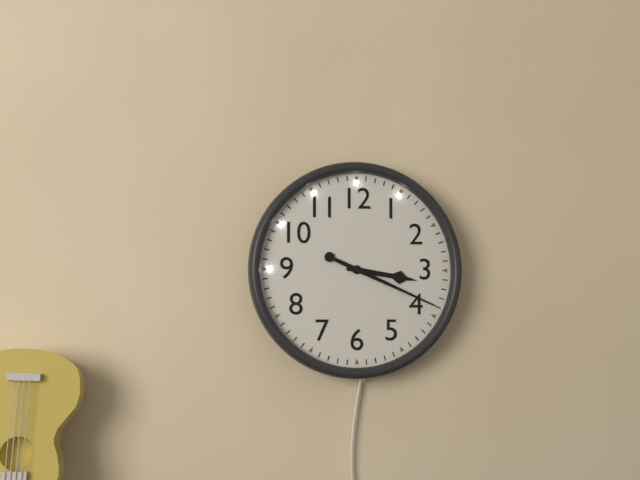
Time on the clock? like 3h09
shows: 3h19
